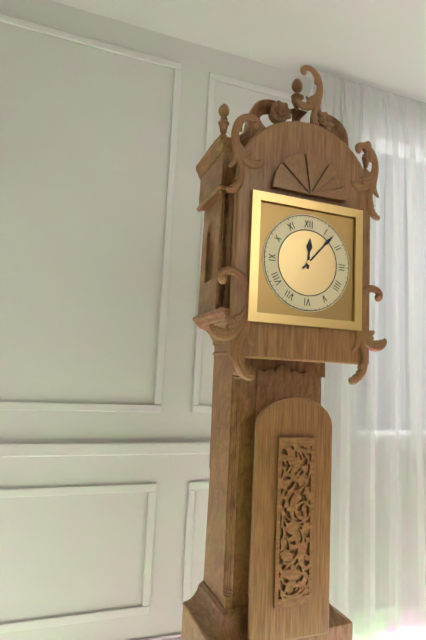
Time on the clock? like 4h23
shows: 12h07
